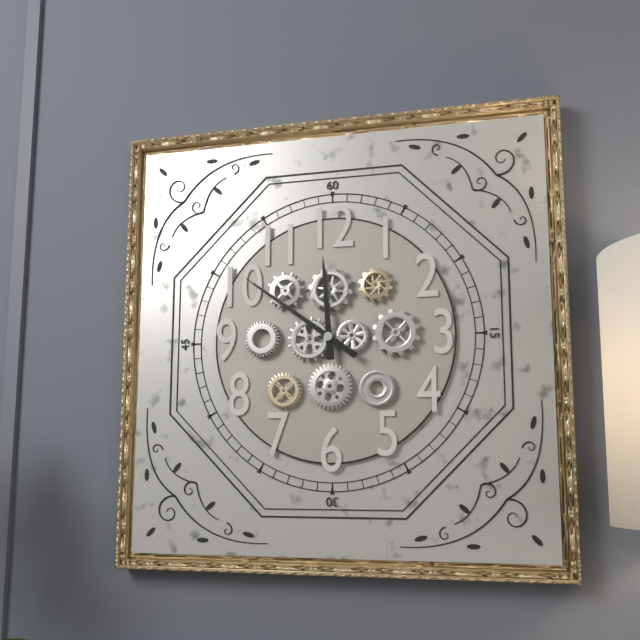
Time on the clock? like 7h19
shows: 11h51
